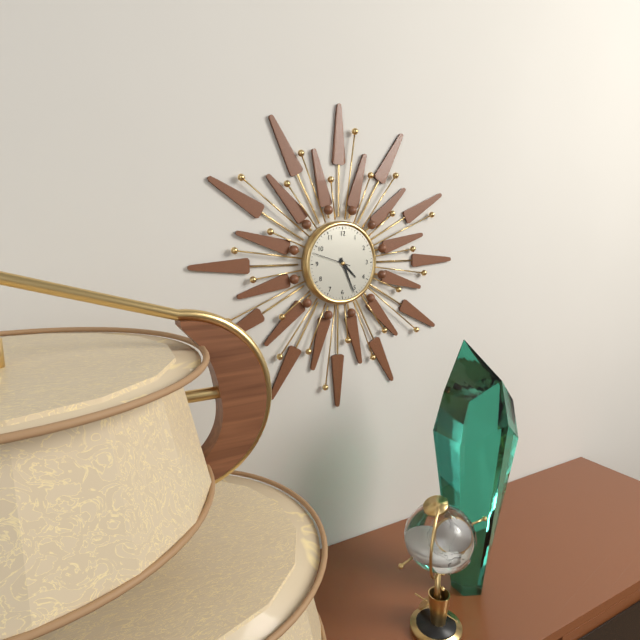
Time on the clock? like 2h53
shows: 4h26
